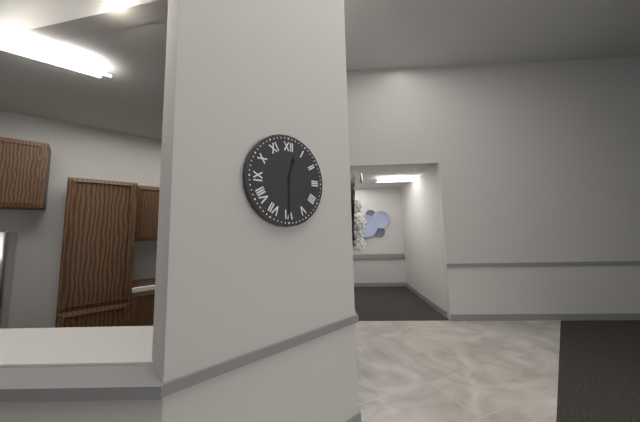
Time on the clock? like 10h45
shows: 12h30
